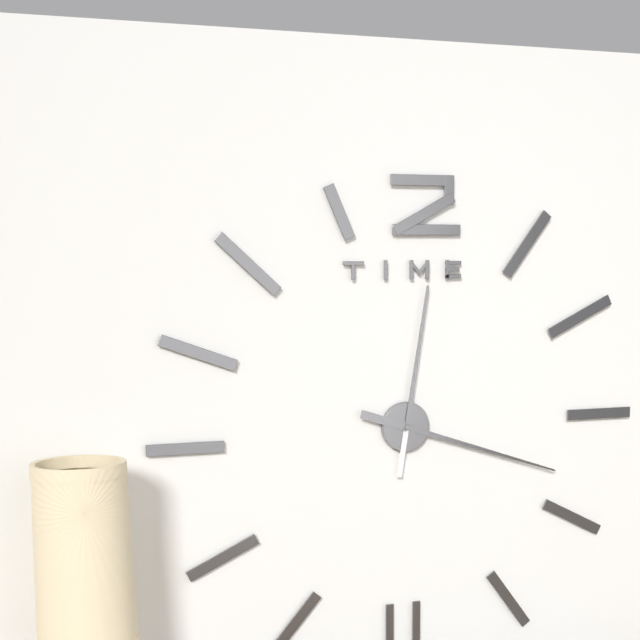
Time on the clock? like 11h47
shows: 12h18
